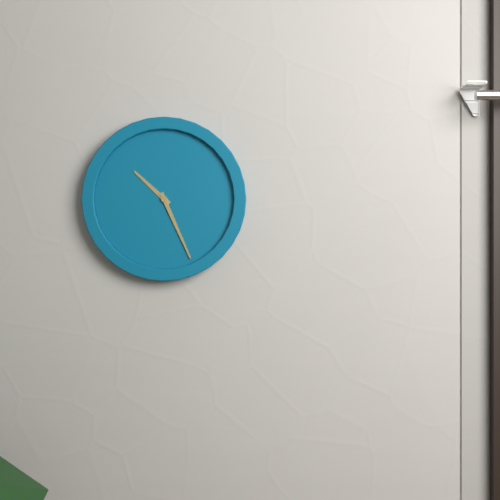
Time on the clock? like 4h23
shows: 10h26
